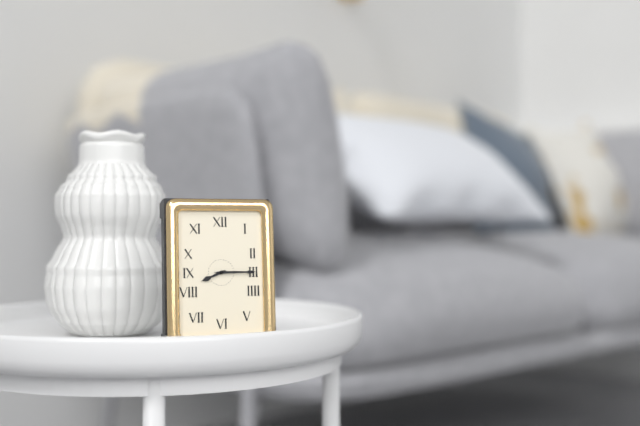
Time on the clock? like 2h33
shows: 8h15
